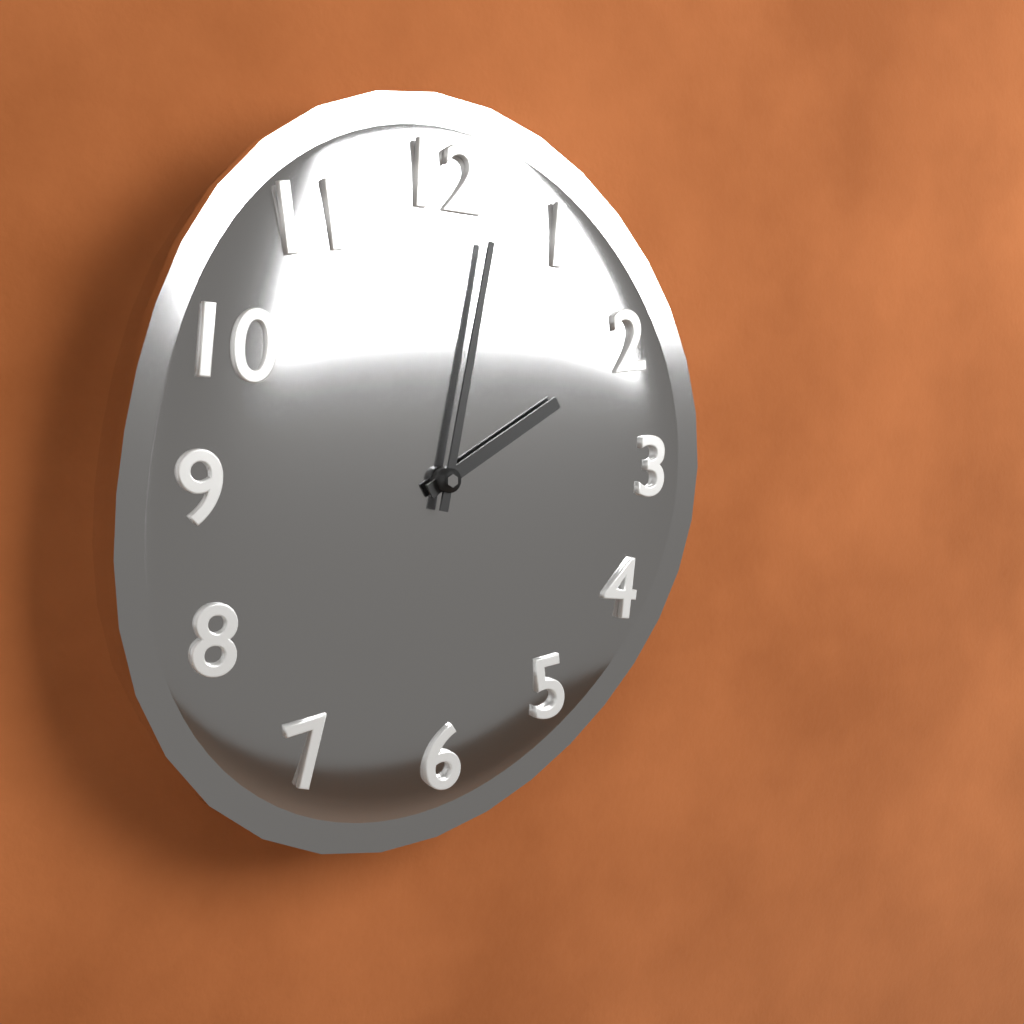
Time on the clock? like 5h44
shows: 2h02
